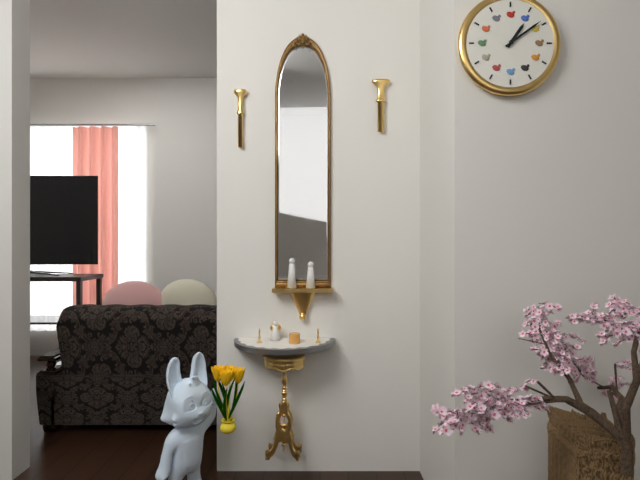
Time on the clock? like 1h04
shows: 1h09
